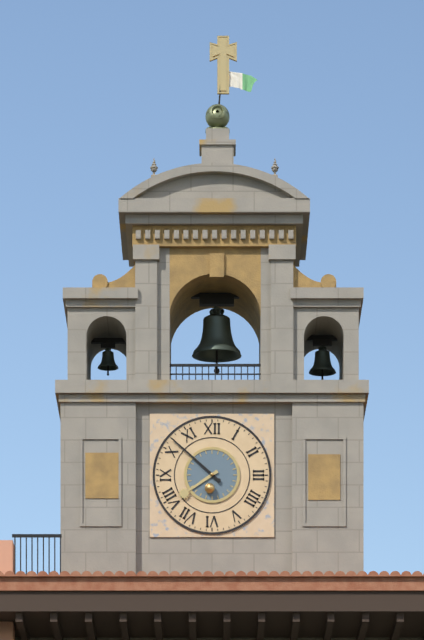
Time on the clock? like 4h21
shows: 7h52
